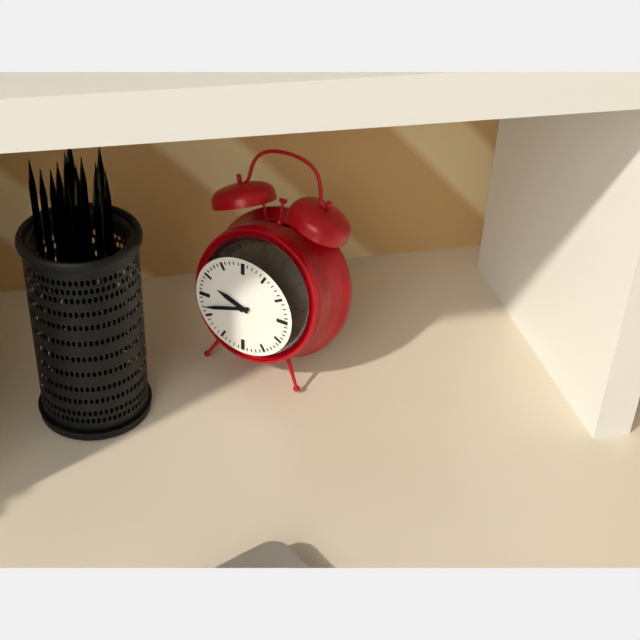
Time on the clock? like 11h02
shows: 9h42
